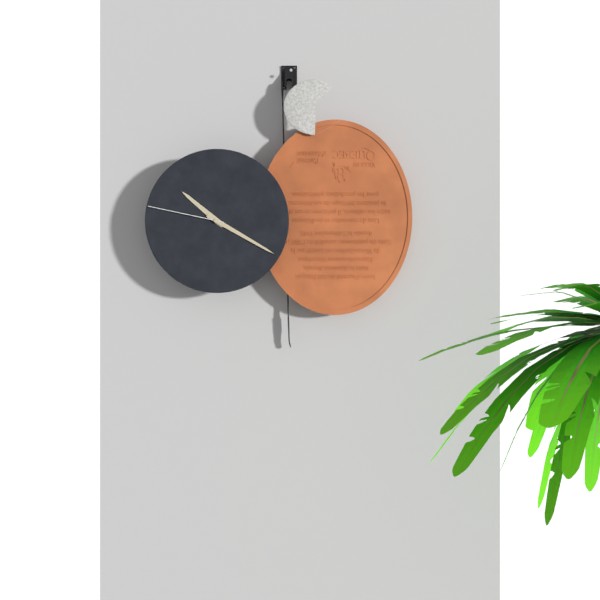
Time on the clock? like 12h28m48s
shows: 10h20m47s
